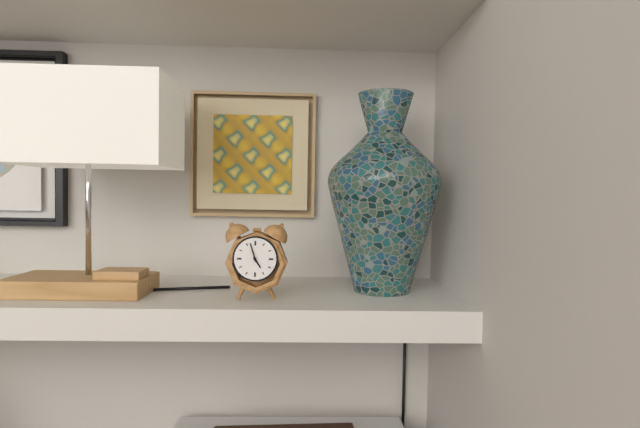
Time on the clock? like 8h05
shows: 4h57
